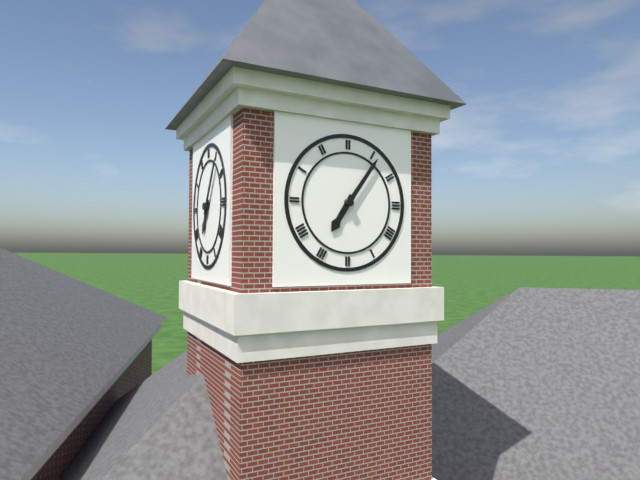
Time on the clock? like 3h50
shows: 7h06
